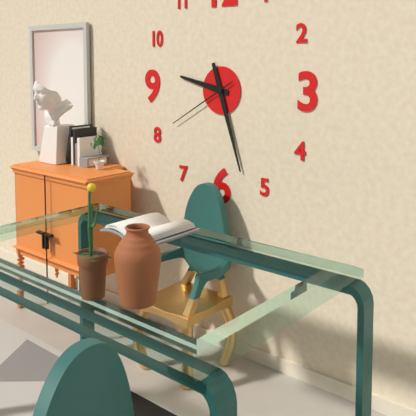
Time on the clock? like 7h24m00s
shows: 9h27m40s
